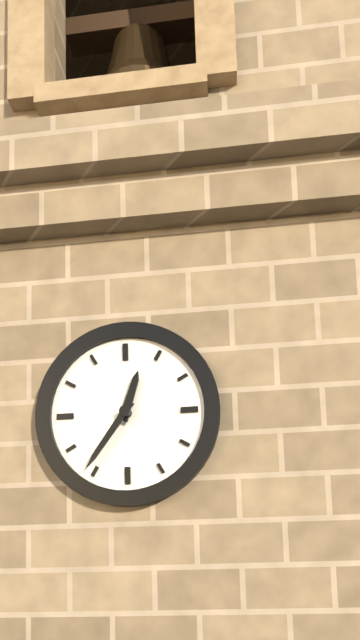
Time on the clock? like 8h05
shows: 12h36
